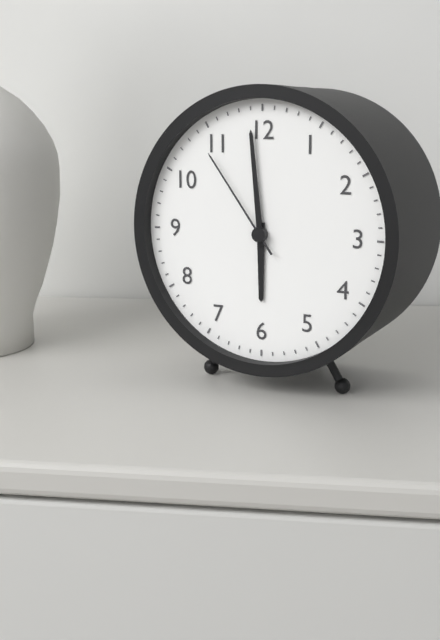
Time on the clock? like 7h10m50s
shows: 5h59m54s
